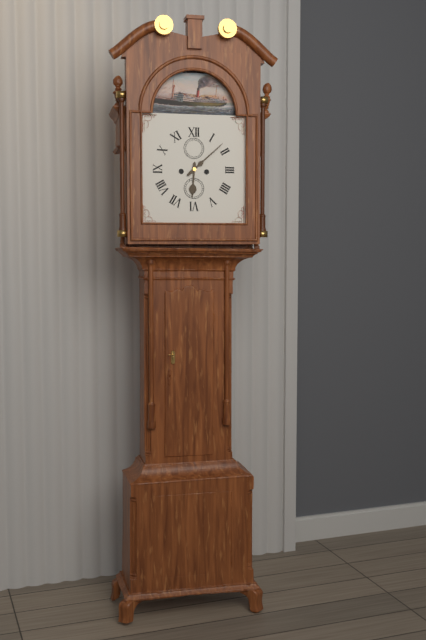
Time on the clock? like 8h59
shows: 6h08
